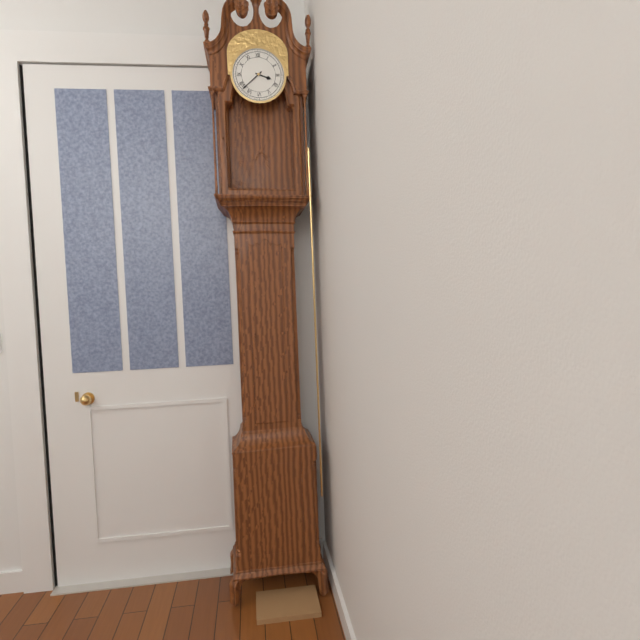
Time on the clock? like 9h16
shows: 3h38
